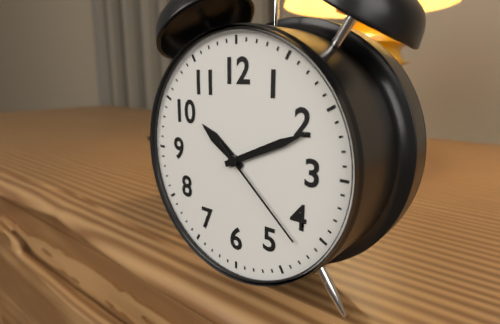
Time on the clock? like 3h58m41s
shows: 10h11m22s
